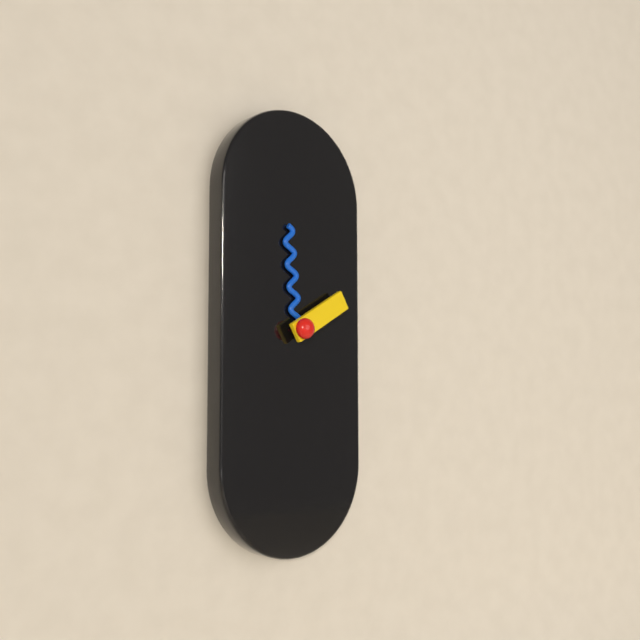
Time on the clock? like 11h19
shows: 1h59
